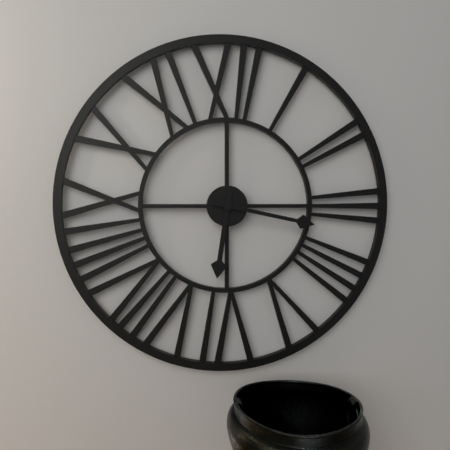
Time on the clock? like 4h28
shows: 6h17
